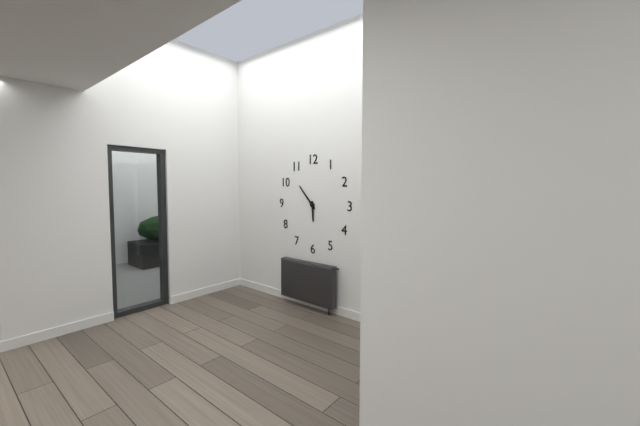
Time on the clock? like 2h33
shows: 5h53
